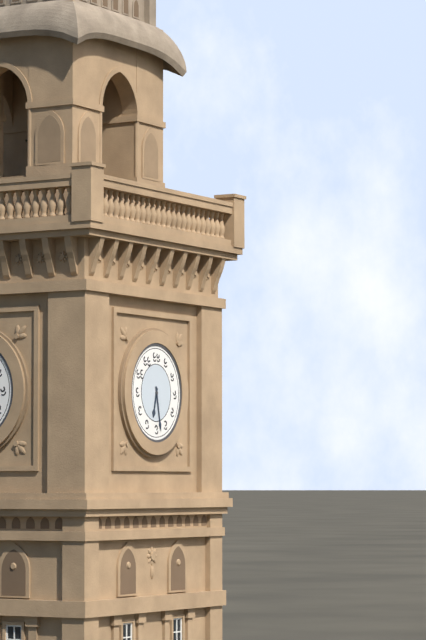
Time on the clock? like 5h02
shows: 6h28
